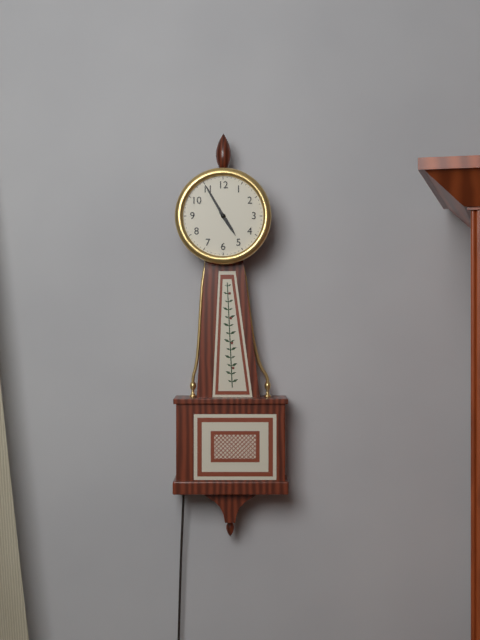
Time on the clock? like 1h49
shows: 4h55
